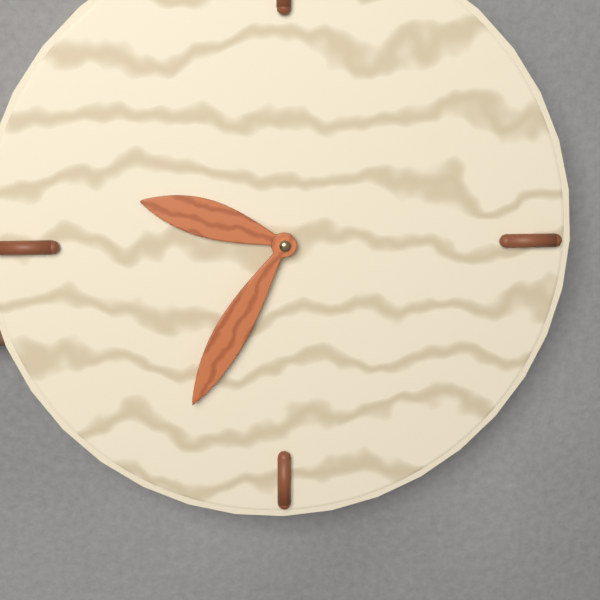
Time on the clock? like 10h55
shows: 9h35
